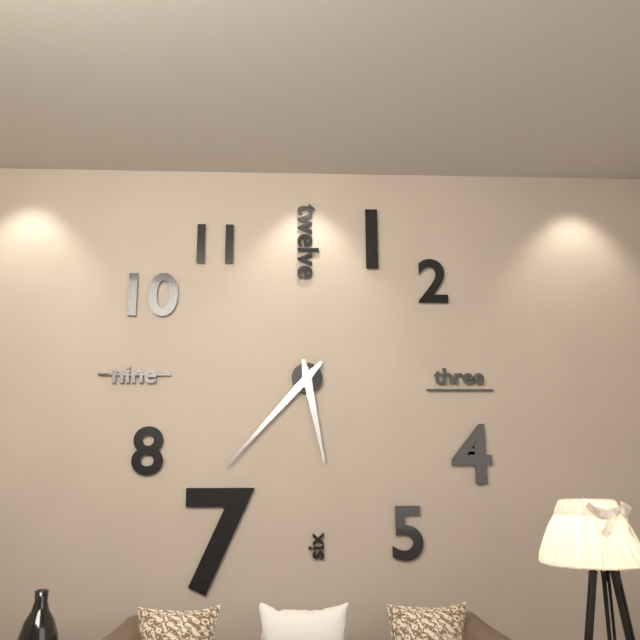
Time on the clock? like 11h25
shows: 5h37
